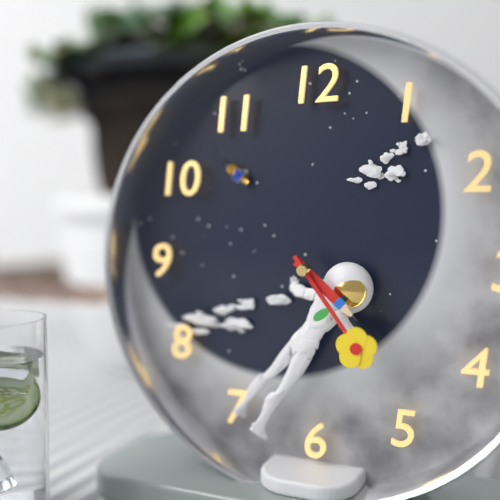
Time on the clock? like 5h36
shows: 4h24
